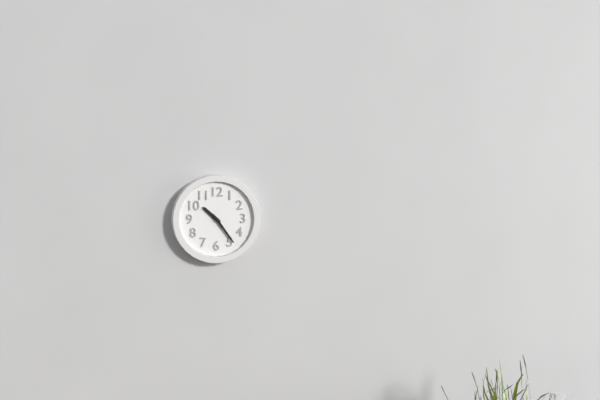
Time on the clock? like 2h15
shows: 10h24
